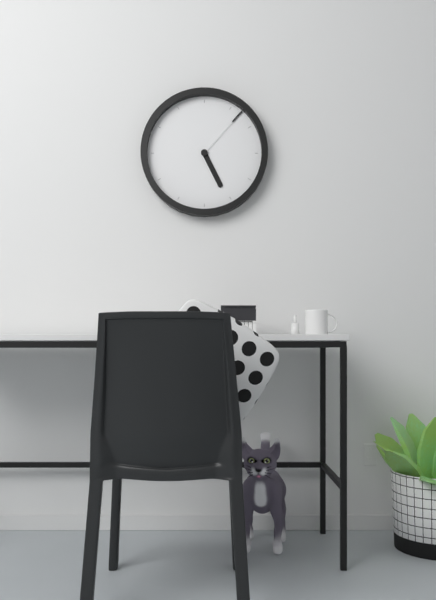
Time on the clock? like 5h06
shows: 5h07
